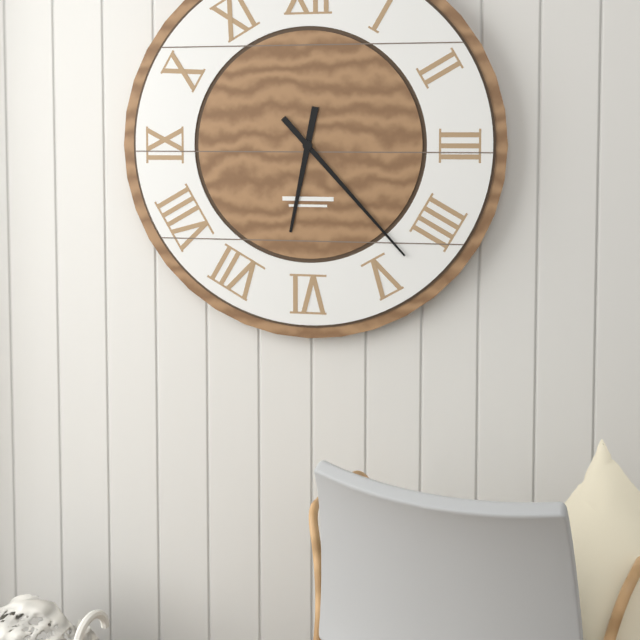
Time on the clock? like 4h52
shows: 6h23
